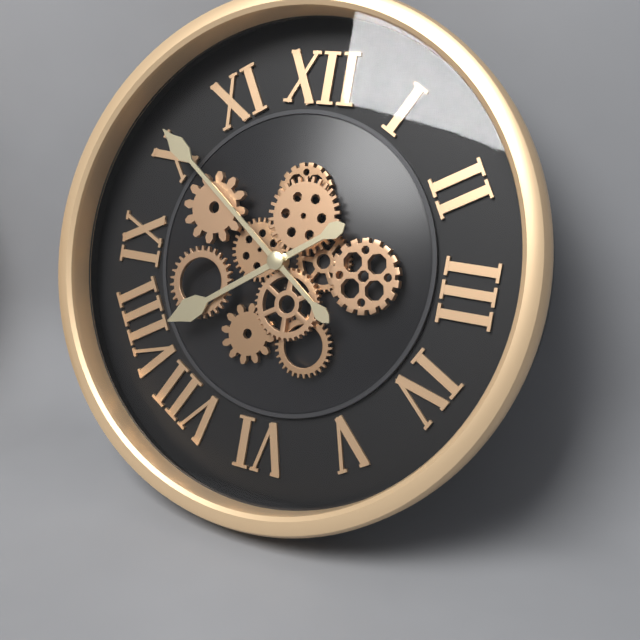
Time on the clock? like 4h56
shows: 7h51
